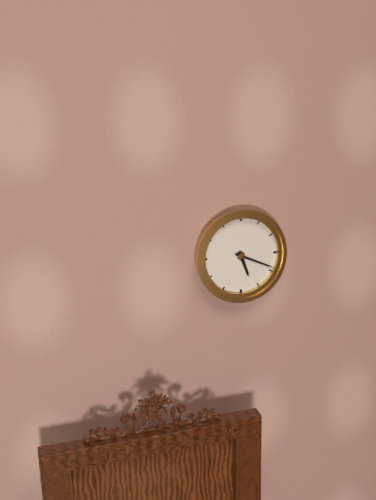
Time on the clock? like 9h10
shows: 5h19
